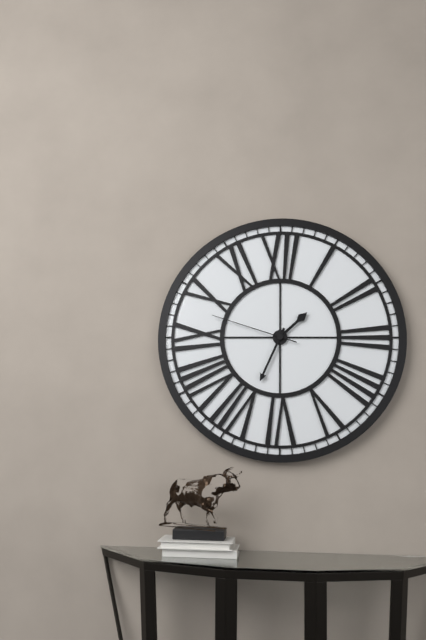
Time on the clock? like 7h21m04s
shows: 1h34m48s
